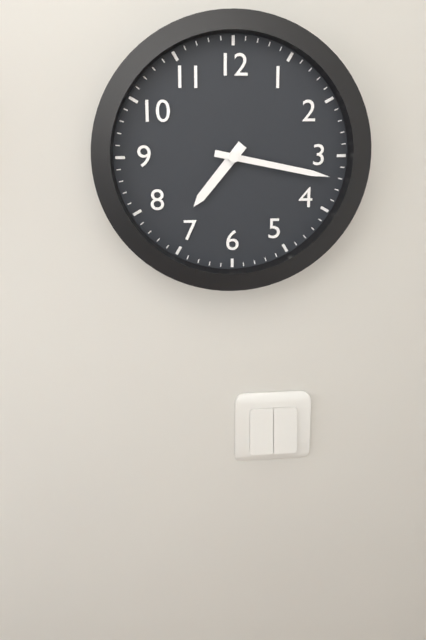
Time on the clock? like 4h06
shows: 7h17
